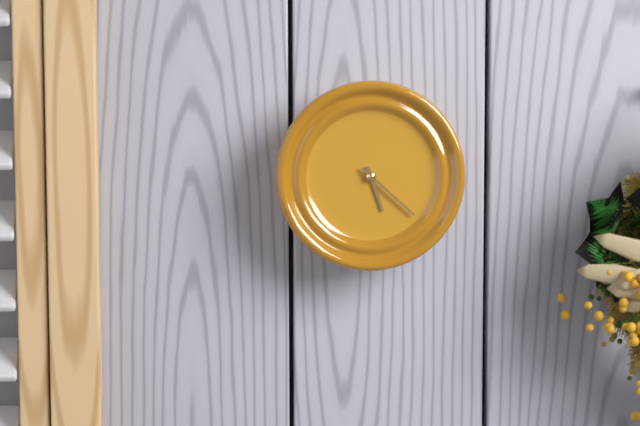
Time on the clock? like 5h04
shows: 5h22
